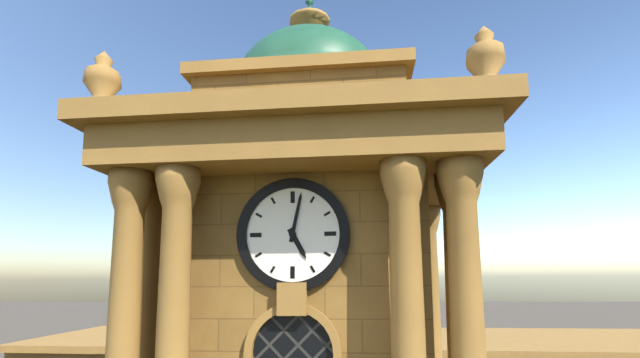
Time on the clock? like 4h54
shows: 5h02
